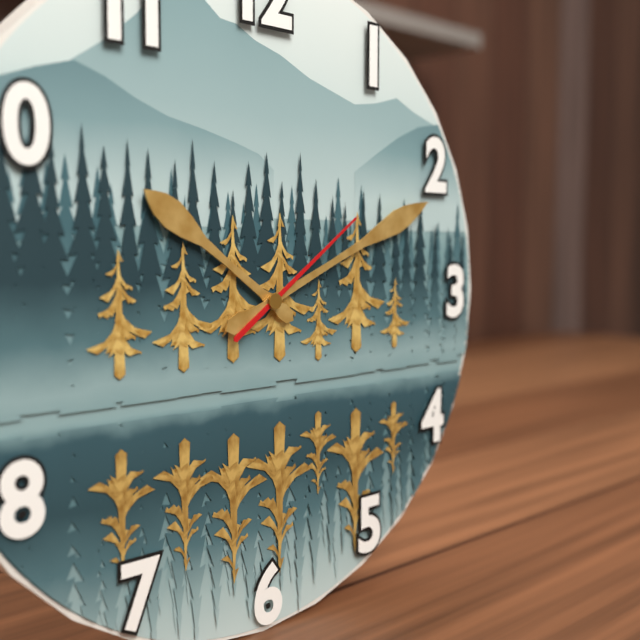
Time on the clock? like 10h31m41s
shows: 10h11m09s
